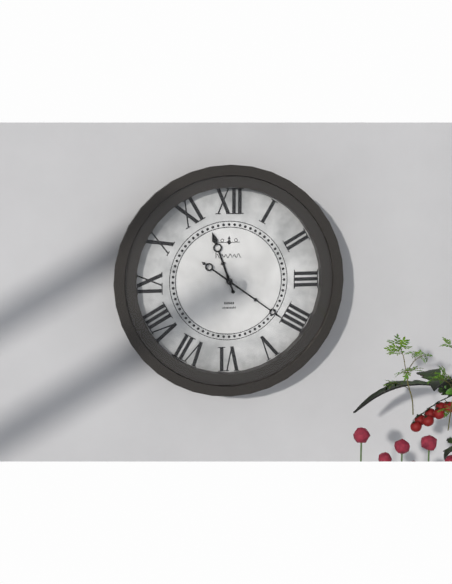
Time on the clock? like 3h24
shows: 11h21
